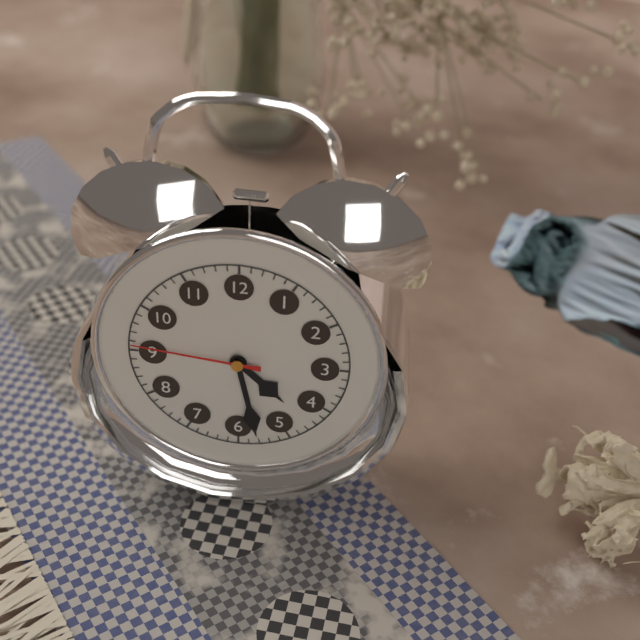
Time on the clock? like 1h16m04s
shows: 4h28m46s
